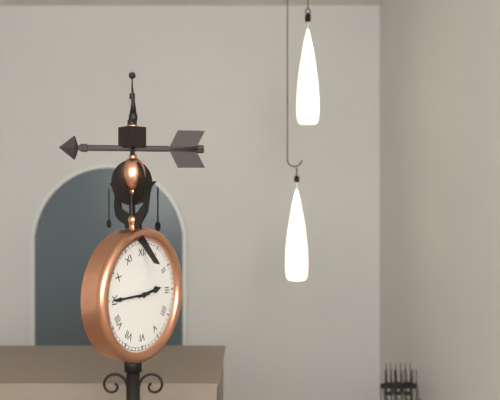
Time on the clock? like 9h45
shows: 2h45
